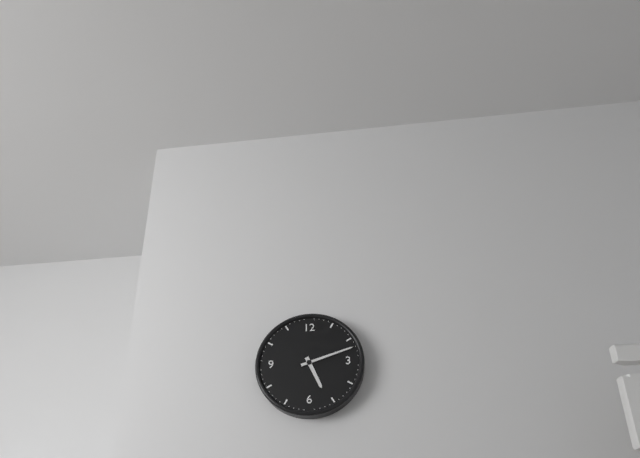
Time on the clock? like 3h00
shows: 5h12
